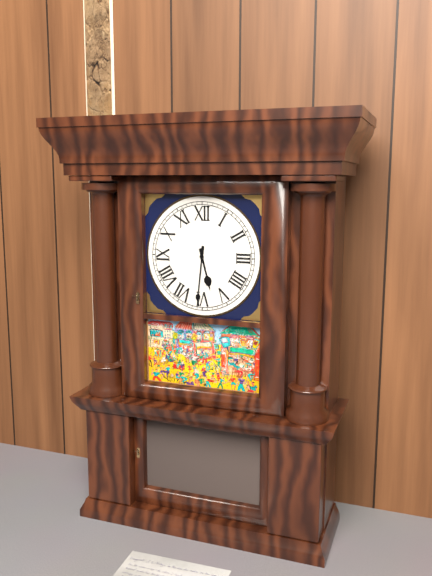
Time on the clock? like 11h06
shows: 5h31
